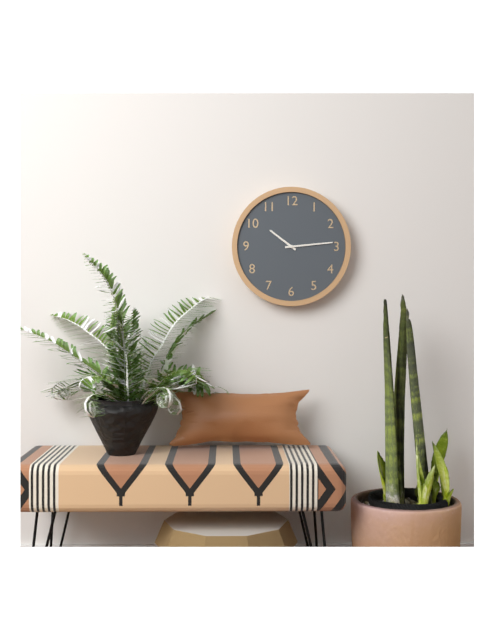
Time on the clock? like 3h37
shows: 10h14
